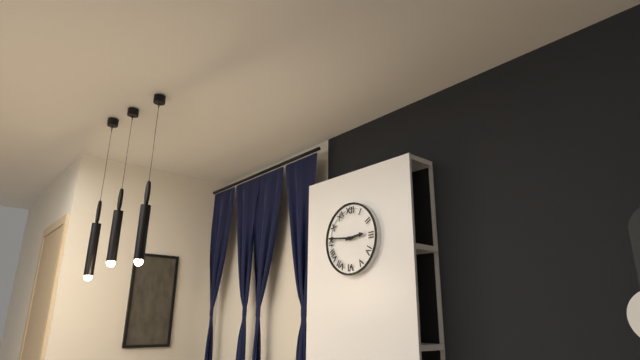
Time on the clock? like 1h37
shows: 2h46
